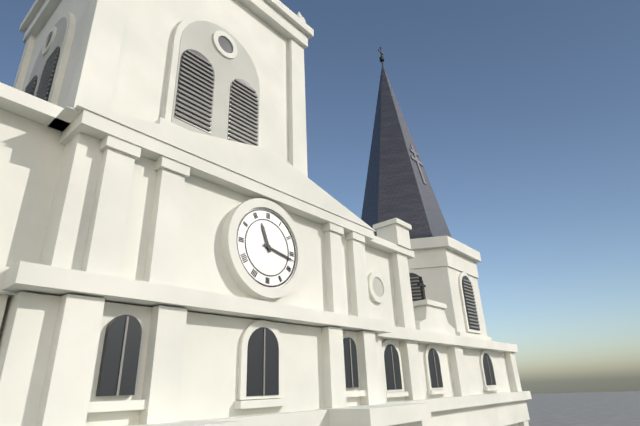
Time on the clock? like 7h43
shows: 11h17
